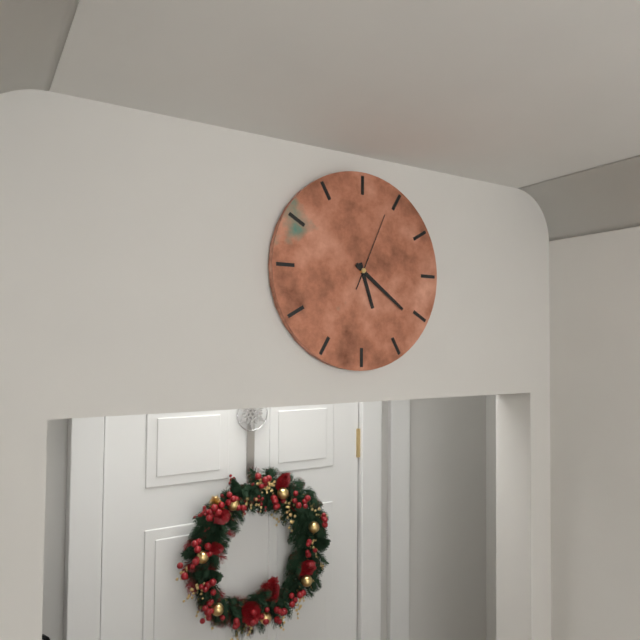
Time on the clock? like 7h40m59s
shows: 5h21m04s
